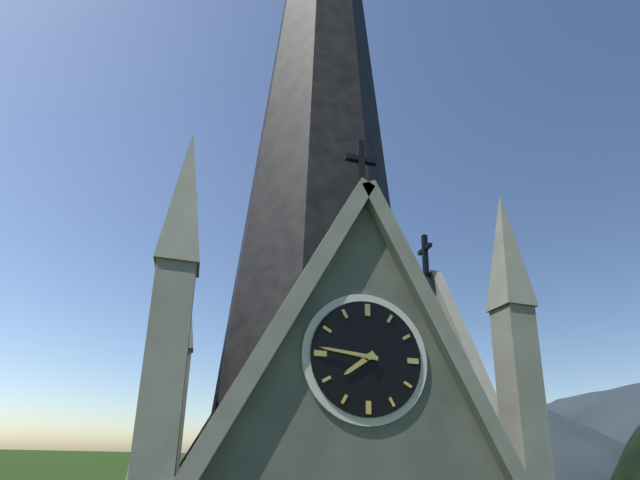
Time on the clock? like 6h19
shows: 7h46
